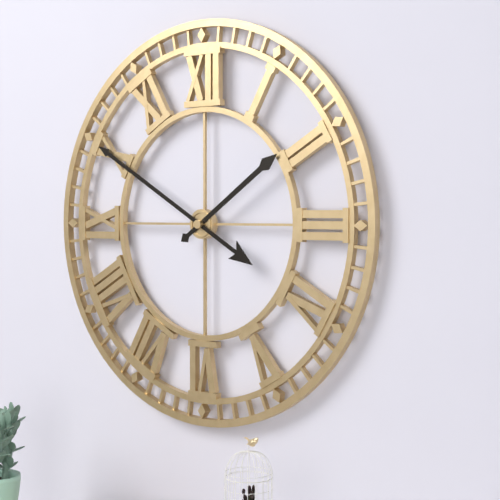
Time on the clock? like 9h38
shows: 1h50
